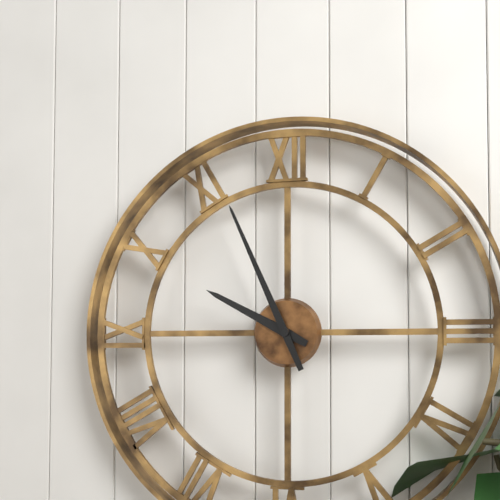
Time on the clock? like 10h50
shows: 9h56
